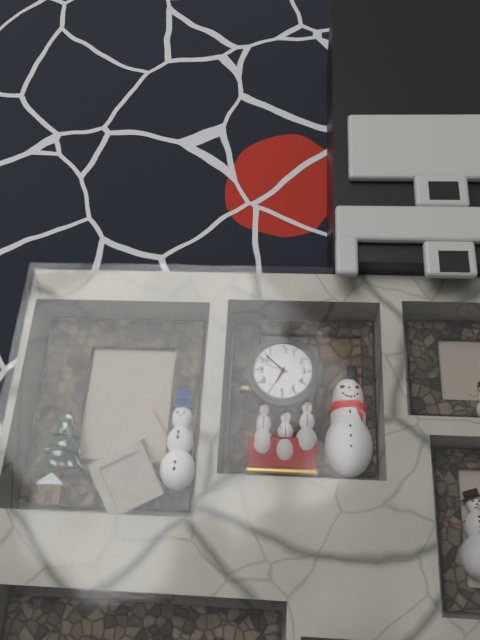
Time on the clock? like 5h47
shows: 6h52
